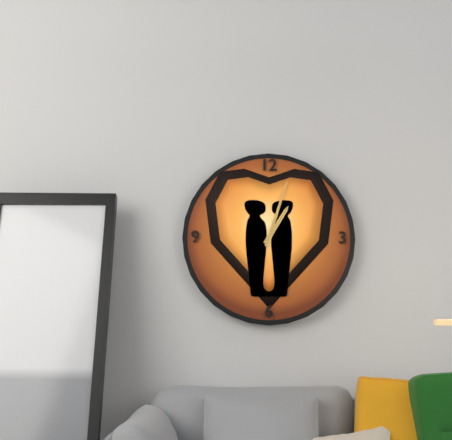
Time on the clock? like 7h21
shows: 1h03
